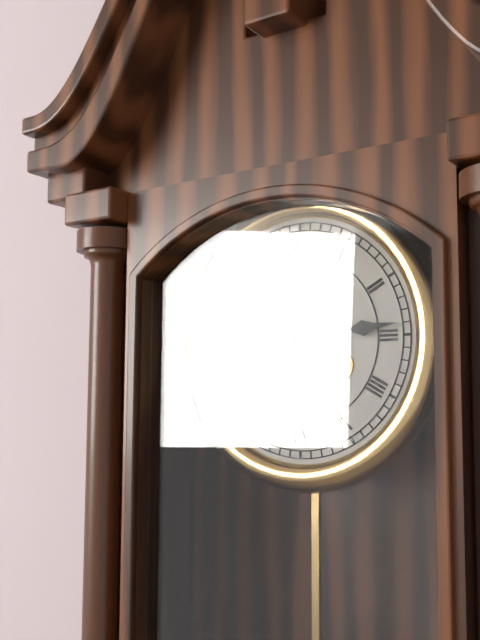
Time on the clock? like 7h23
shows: 4h14
